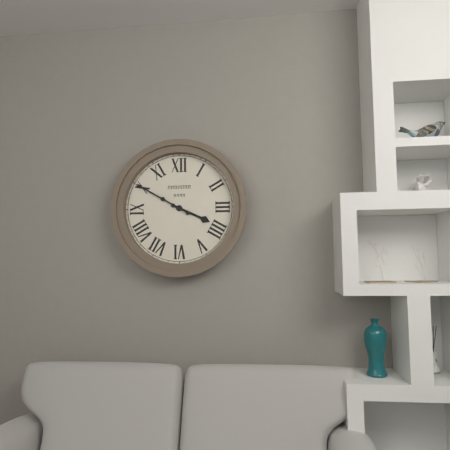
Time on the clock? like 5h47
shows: 3h50
